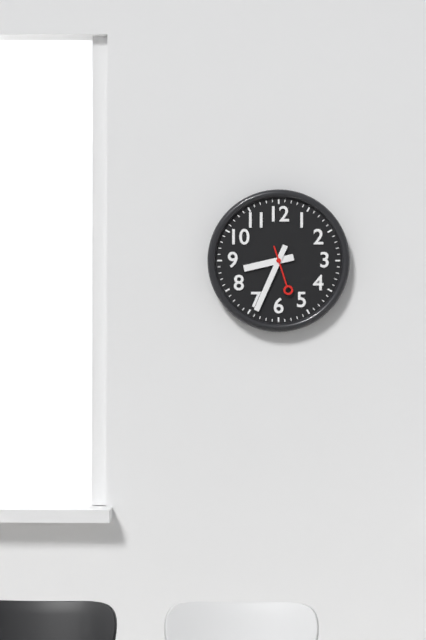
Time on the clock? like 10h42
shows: 8h34
